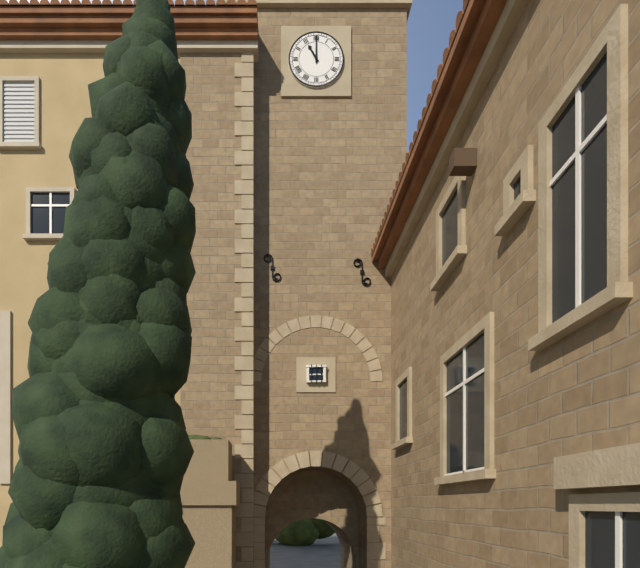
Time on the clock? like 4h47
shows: 11h00
